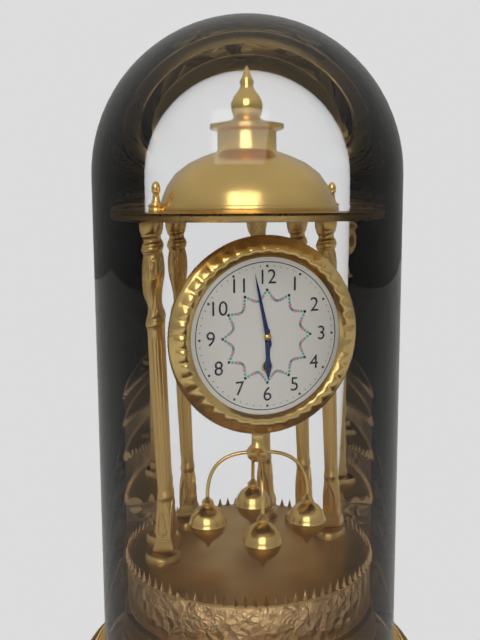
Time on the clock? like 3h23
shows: 5h58
